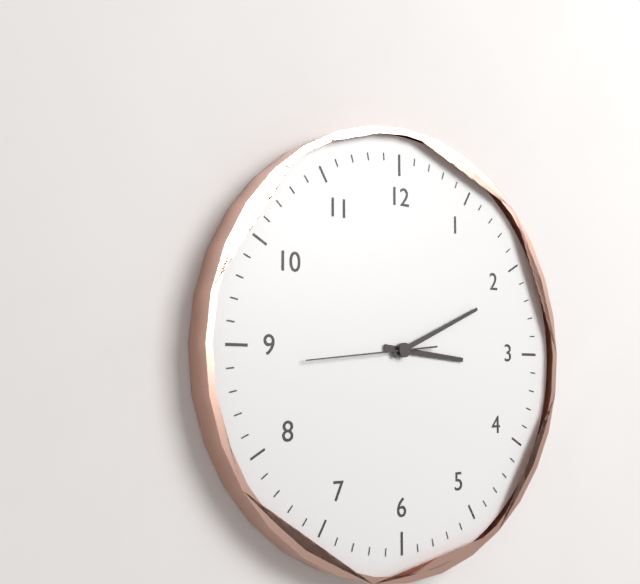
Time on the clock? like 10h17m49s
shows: 3h11m44s
